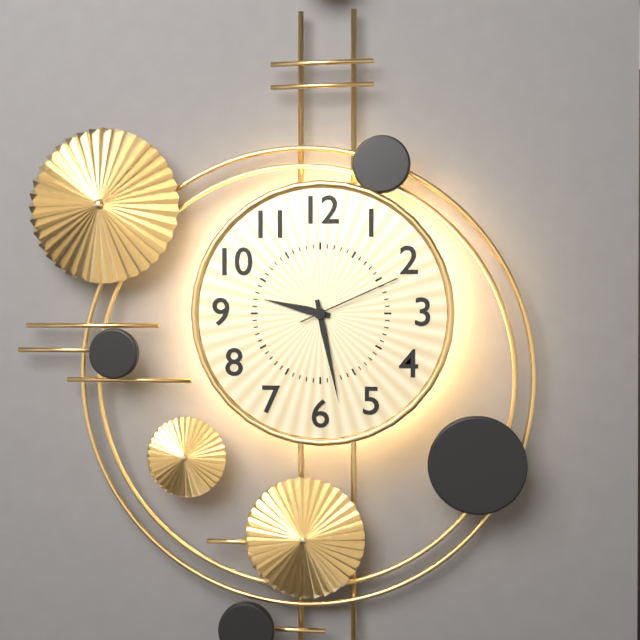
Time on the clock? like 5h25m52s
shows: 9h28m11s
